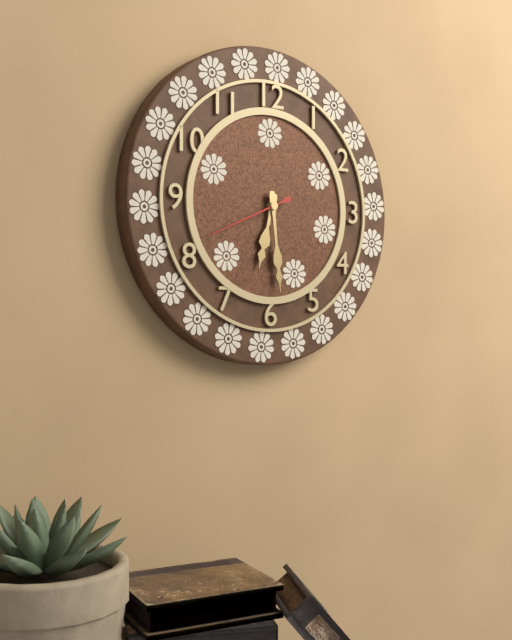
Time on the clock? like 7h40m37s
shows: 6h29m41s
